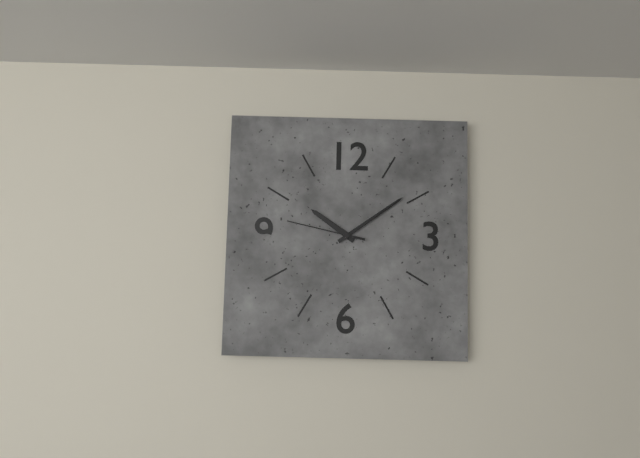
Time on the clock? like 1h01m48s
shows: 10h09m47s
